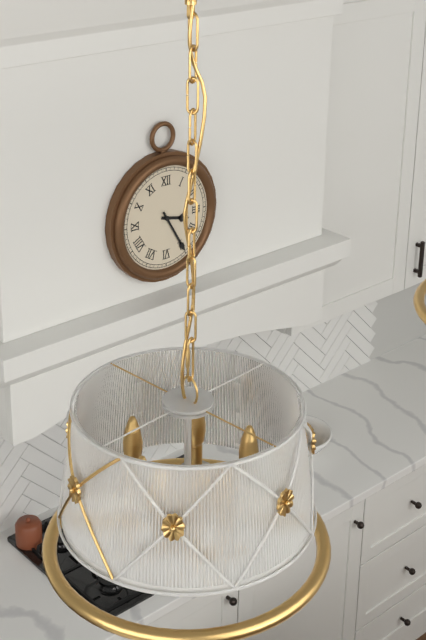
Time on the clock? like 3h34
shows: 3h25
